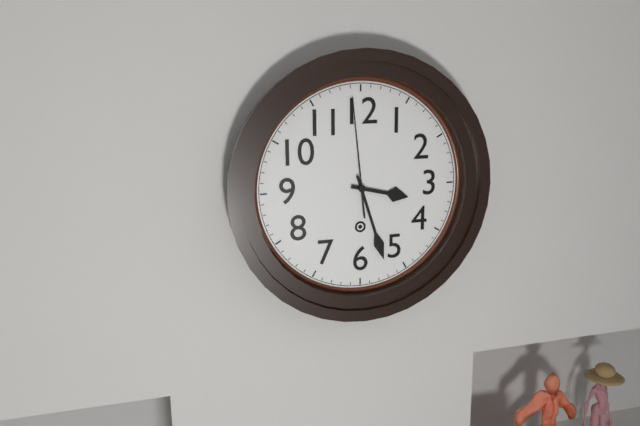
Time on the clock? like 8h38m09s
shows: 3h27m59s
